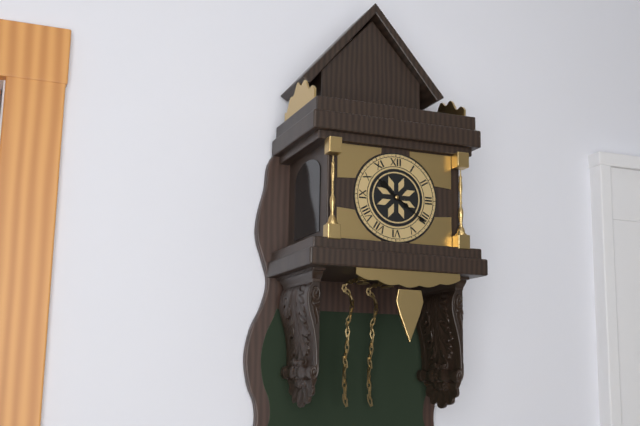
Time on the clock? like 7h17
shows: 10h21
